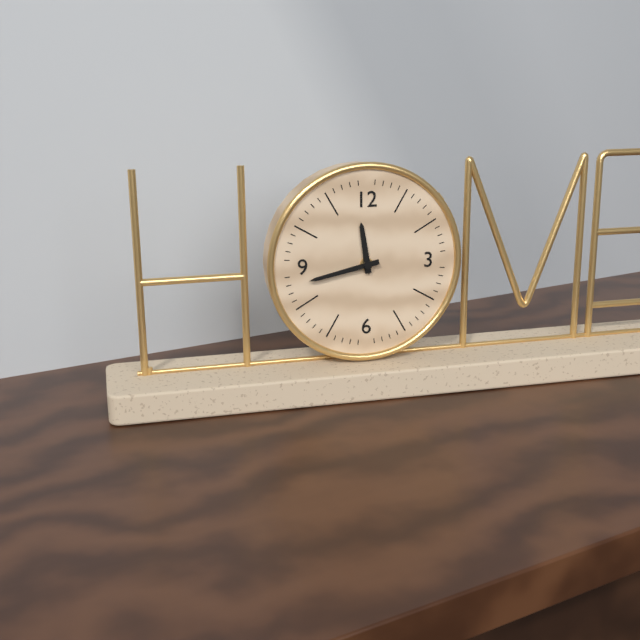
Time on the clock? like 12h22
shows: 11h43
